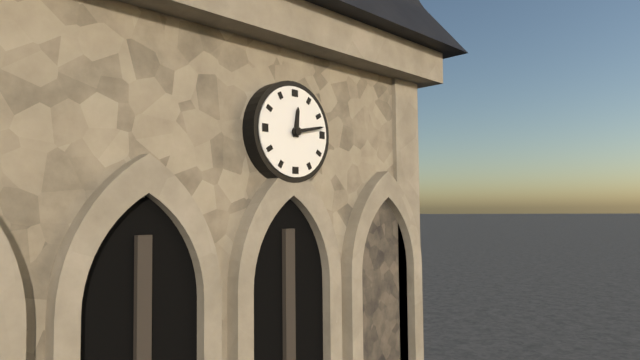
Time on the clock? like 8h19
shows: 12h13
